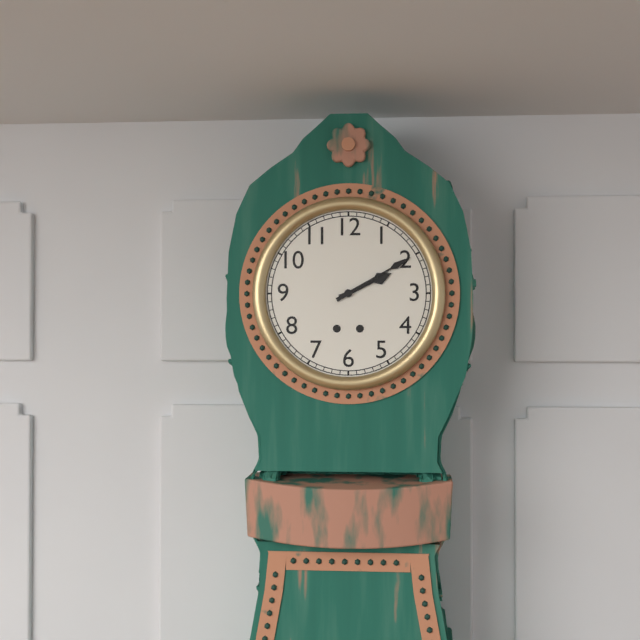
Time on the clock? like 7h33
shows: 2h10
